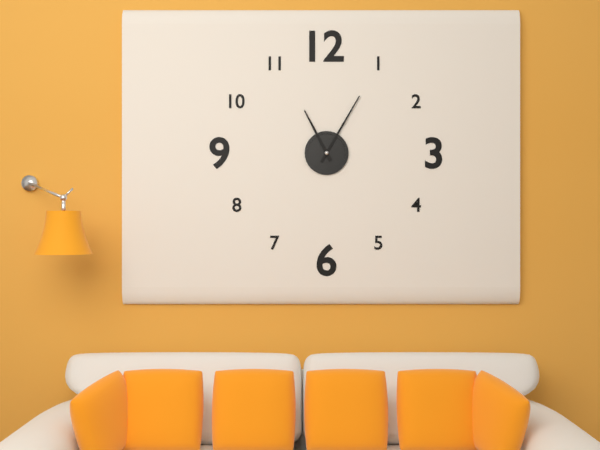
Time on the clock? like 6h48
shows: 11h05
